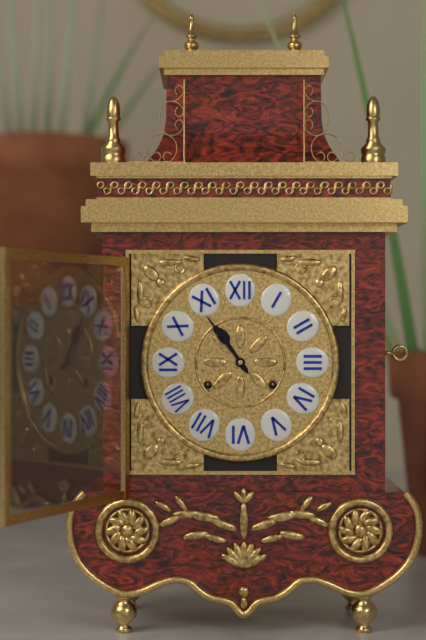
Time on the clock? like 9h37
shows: 10h54
